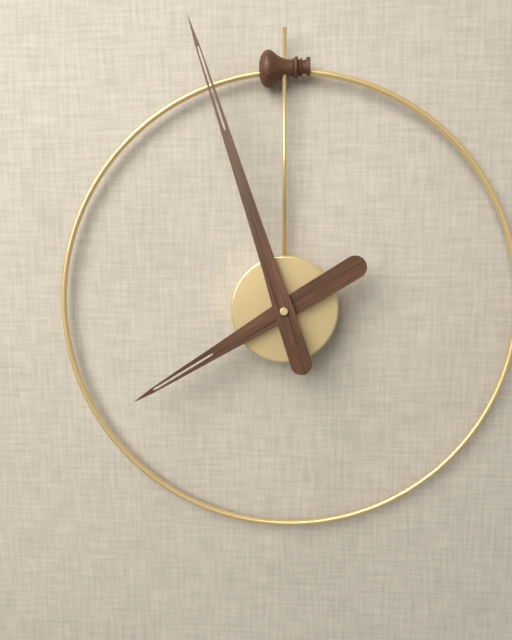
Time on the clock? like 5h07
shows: 7h57
